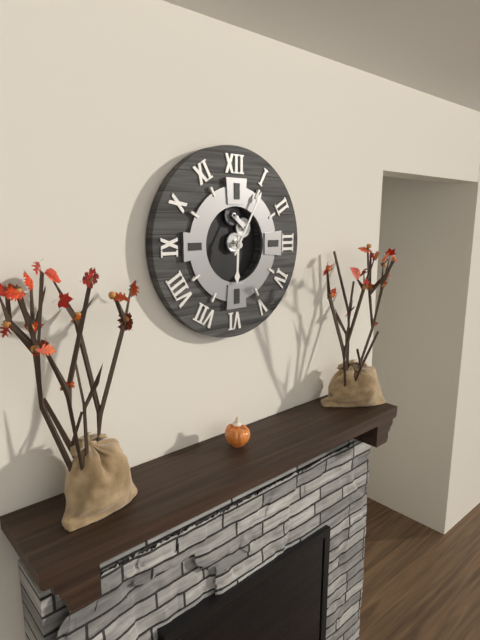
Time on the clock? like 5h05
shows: 6h05
